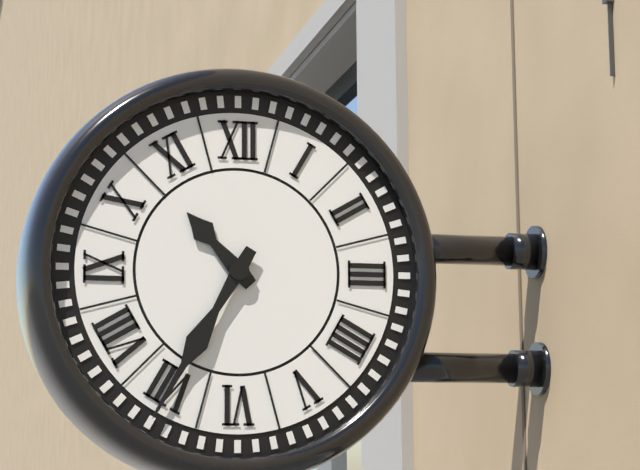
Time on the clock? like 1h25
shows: 10h35
